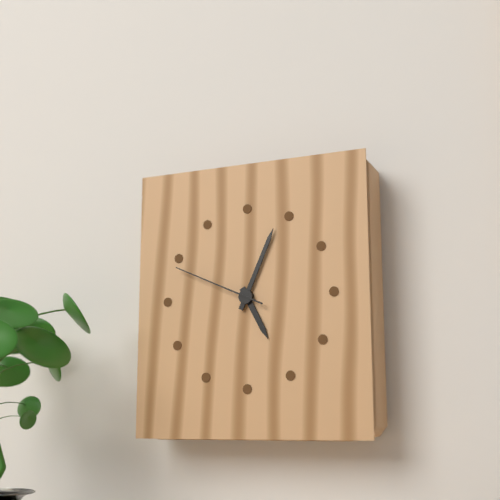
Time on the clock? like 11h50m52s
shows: 5h04m49s
